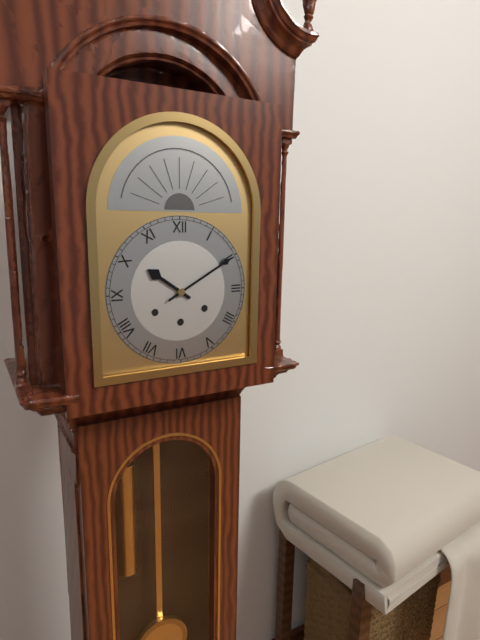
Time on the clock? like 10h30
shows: 10h10
